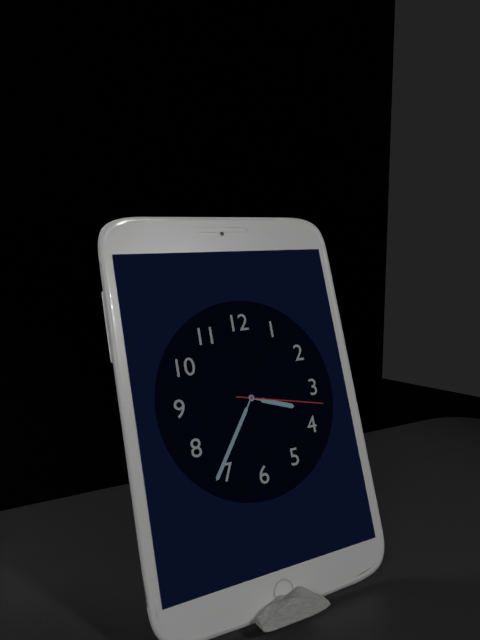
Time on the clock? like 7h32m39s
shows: 3h36m17s
